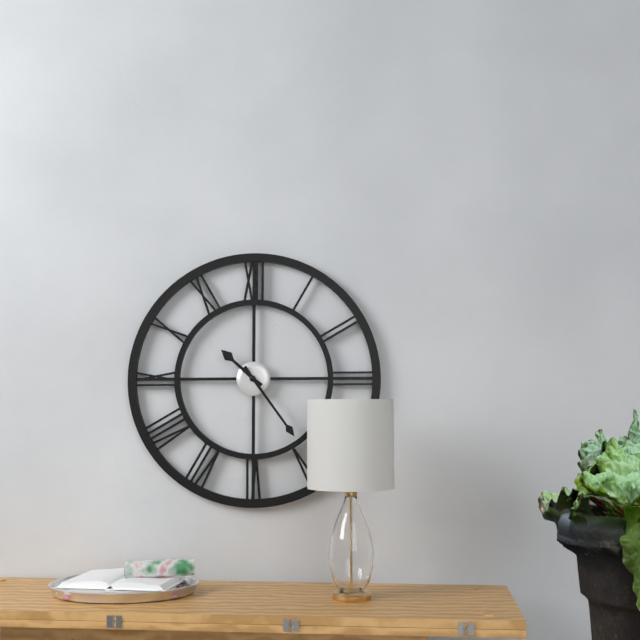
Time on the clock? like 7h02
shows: 10h24
